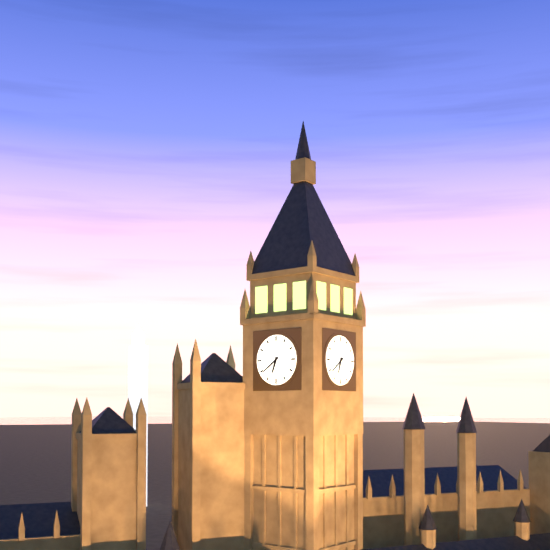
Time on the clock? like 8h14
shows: 6h39
